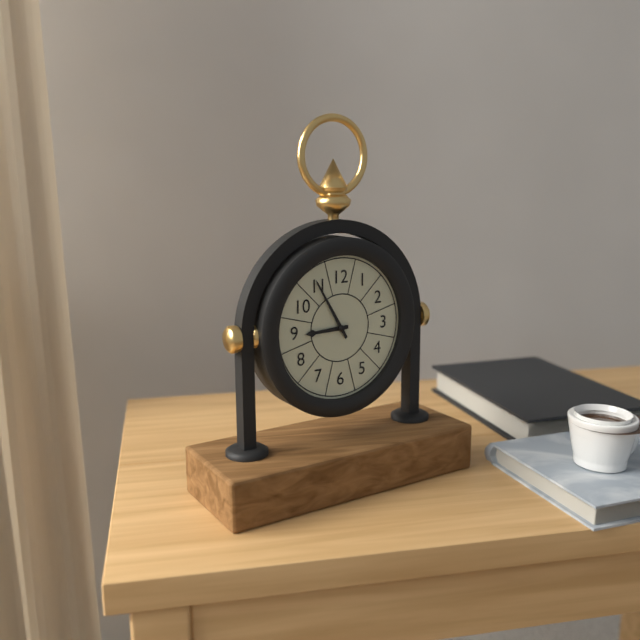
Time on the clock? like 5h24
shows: 8h55
